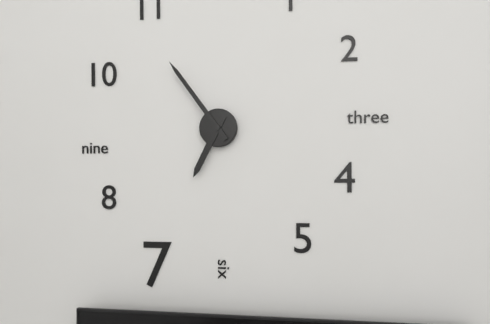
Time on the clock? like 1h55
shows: 6h54
